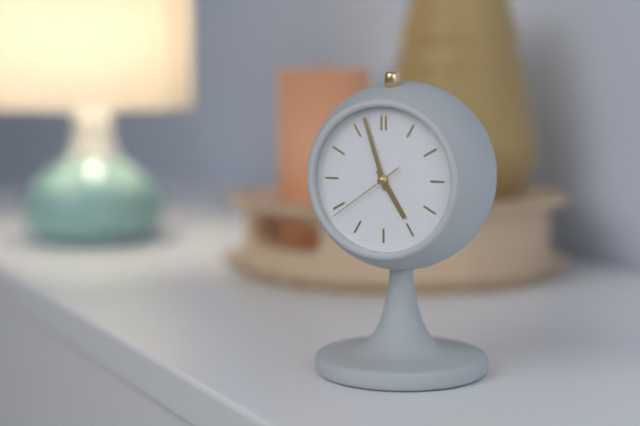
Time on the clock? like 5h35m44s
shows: 4h57m39s
